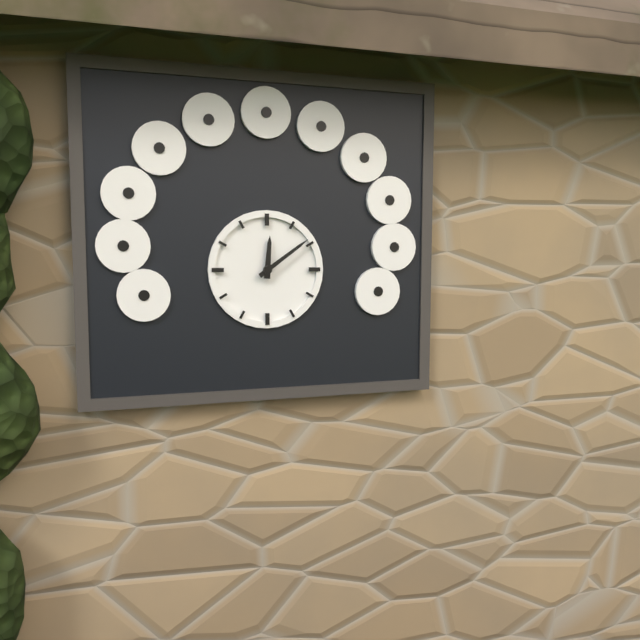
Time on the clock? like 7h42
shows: 12h09
